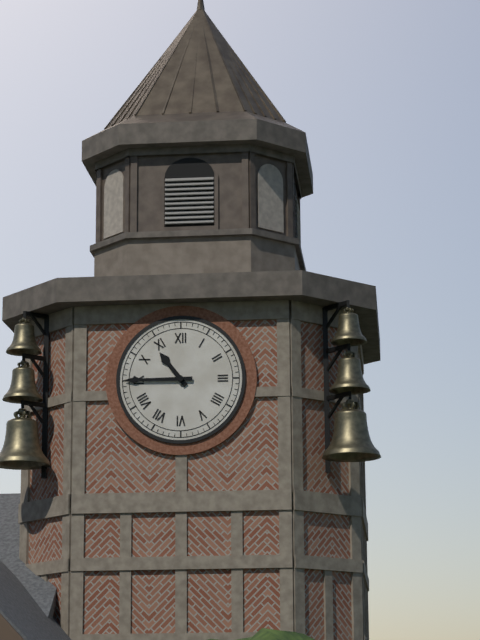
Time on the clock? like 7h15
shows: 10h45
